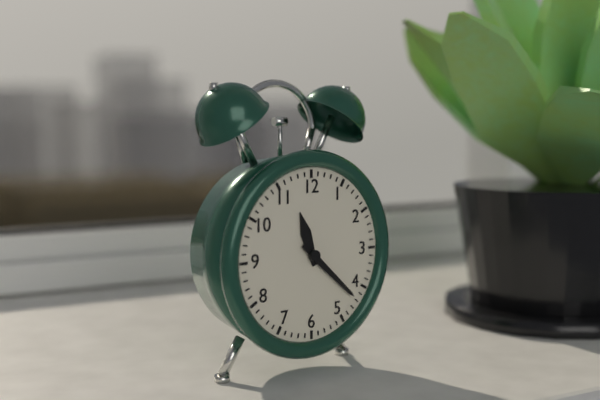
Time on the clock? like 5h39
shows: 11h22
